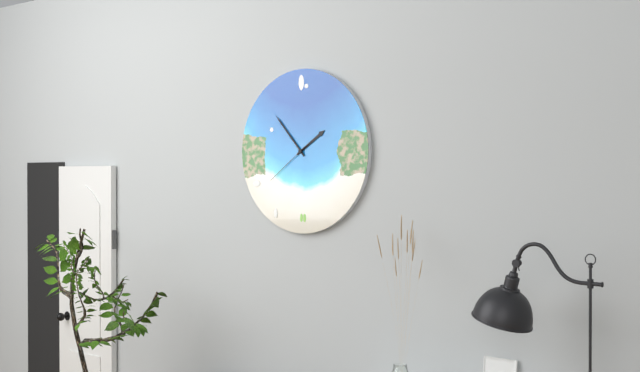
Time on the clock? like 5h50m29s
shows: 1h53m39s
